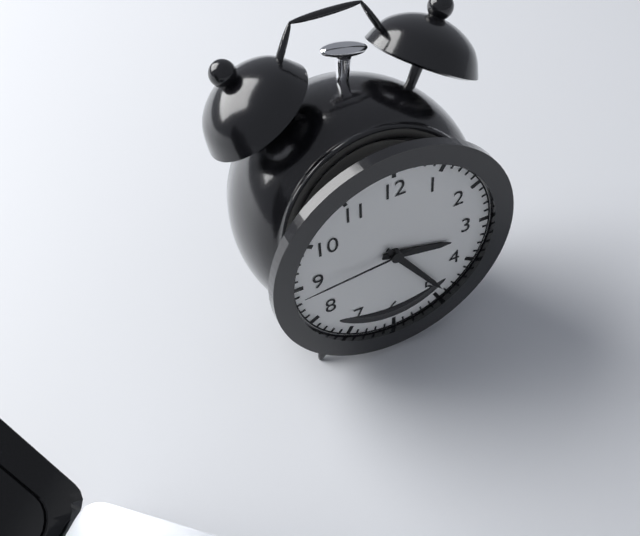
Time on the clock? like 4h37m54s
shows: 3h24m44s
